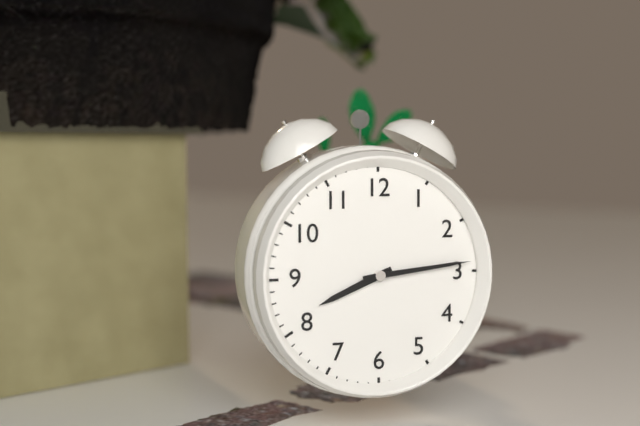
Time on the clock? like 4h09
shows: 8h14
